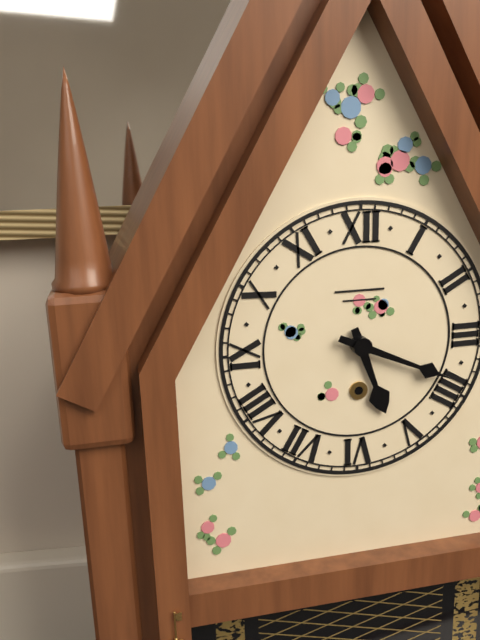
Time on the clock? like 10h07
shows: 5h19
